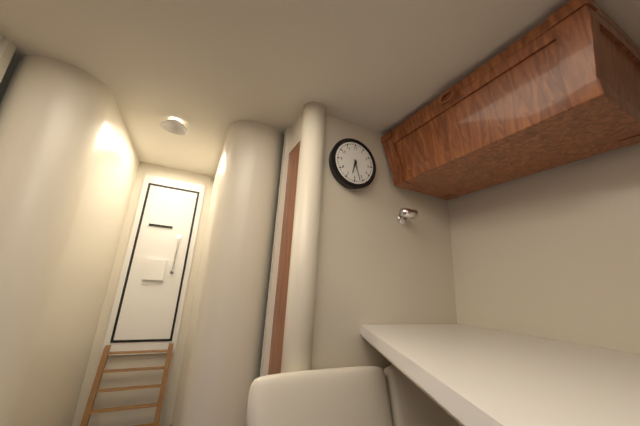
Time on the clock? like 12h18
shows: 6h27
